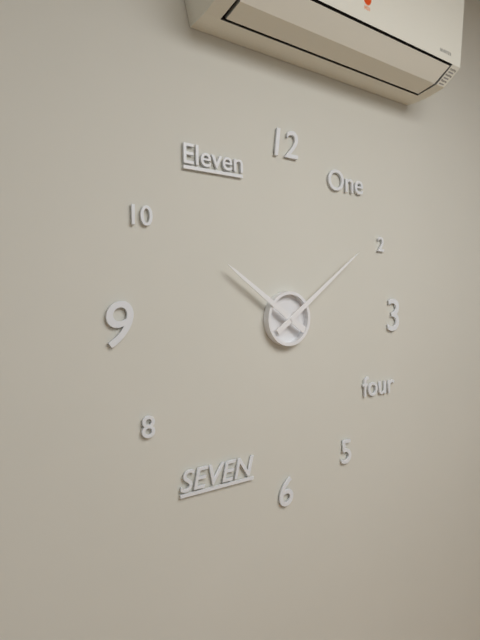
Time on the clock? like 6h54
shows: 10h09
